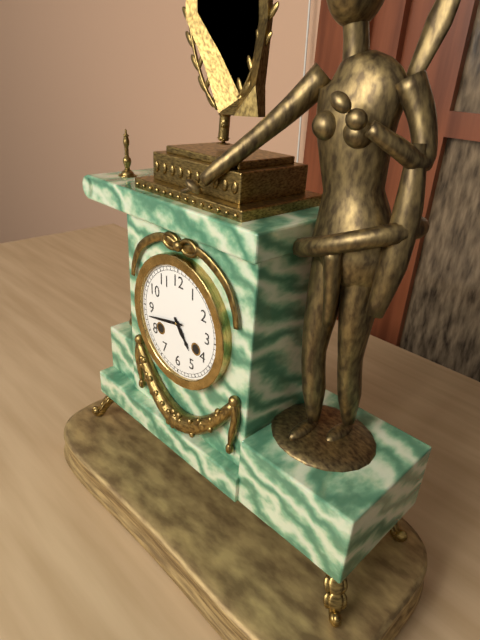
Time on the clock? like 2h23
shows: 4h43
